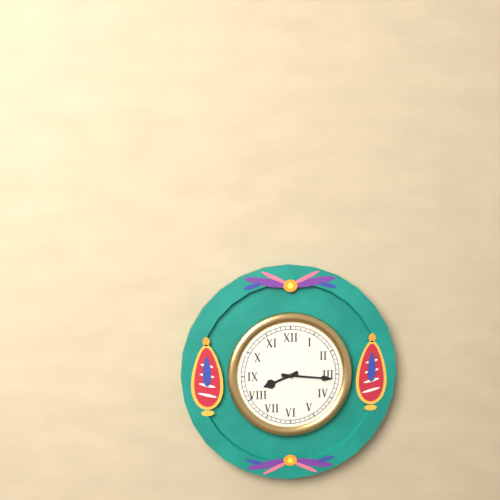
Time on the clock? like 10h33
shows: 8h16
